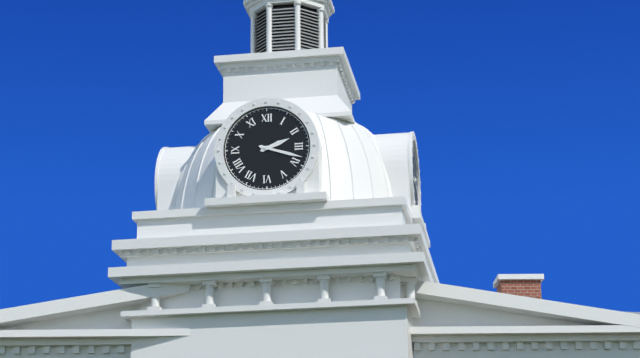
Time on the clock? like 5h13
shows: 2h18
